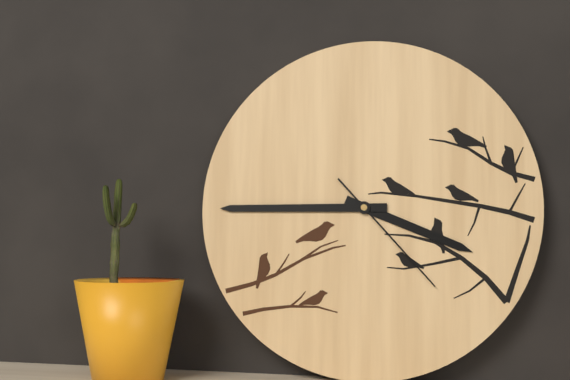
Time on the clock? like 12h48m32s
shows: 3h45m23s
